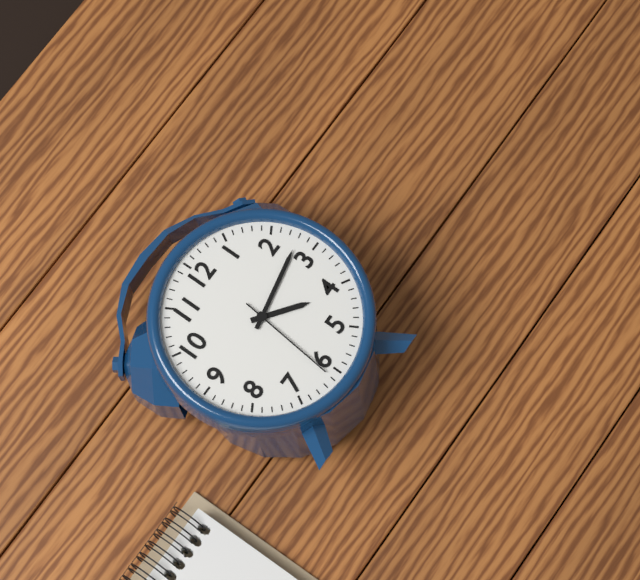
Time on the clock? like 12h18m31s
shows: 4h13m31s
